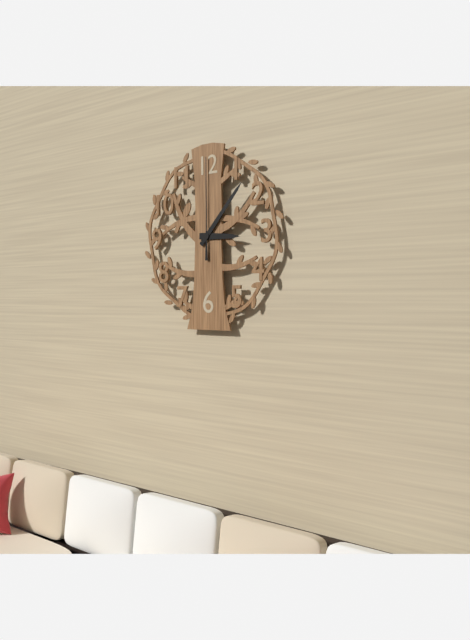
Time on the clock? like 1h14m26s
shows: 3h07m00s
